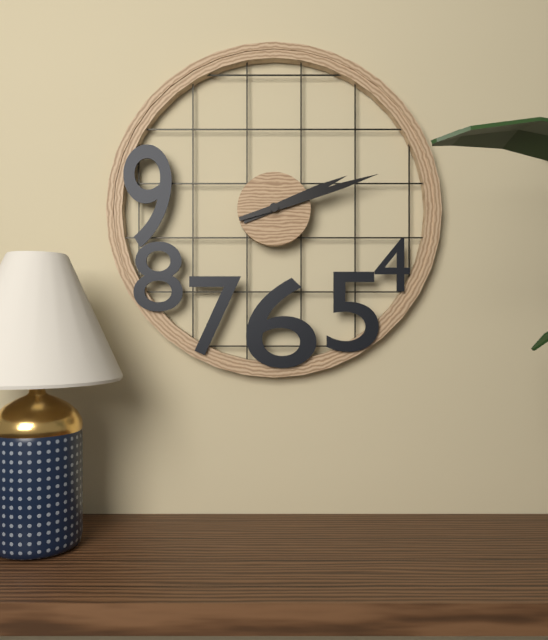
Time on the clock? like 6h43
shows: 2h12
